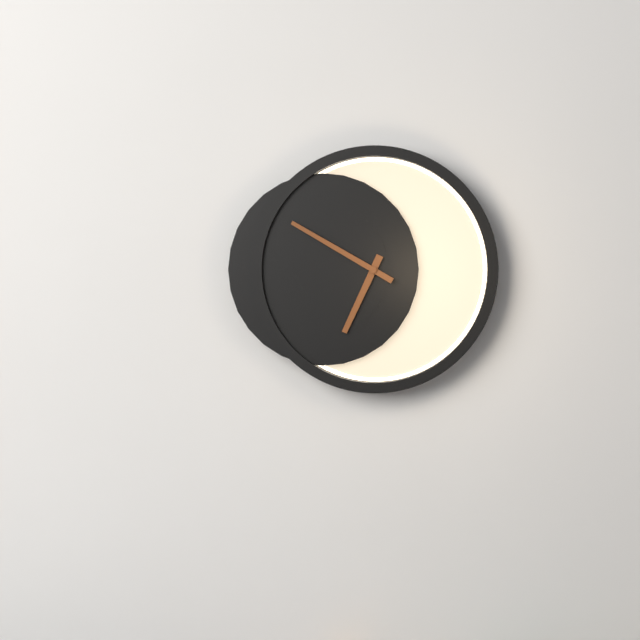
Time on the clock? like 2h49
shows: 6h50
